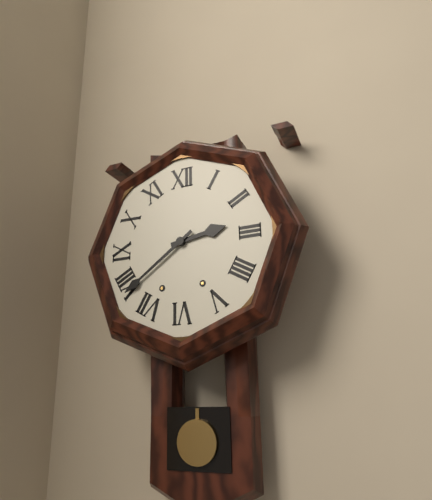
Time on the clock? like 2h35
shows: 2h39
